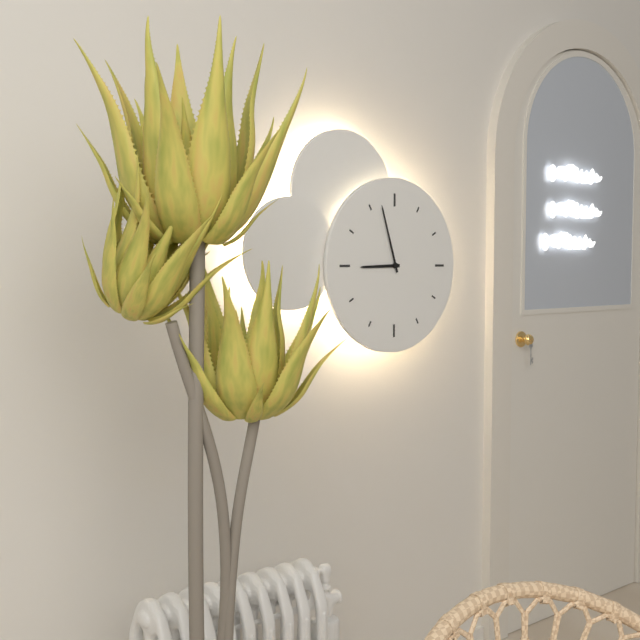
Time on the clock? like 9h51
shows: 8h57
